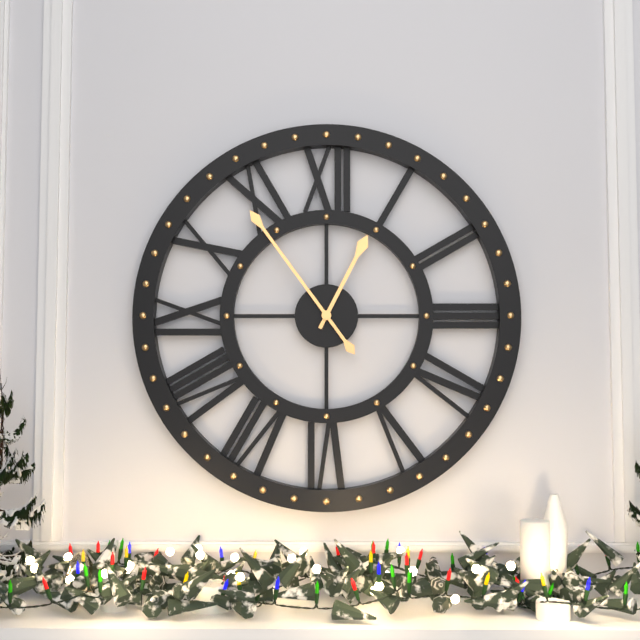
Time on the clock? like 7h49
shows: 12h54
